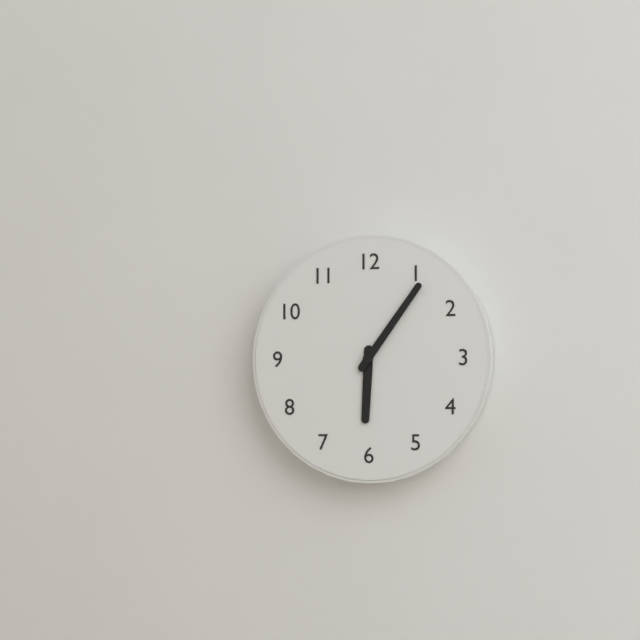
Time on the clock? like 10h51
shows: 6h06
